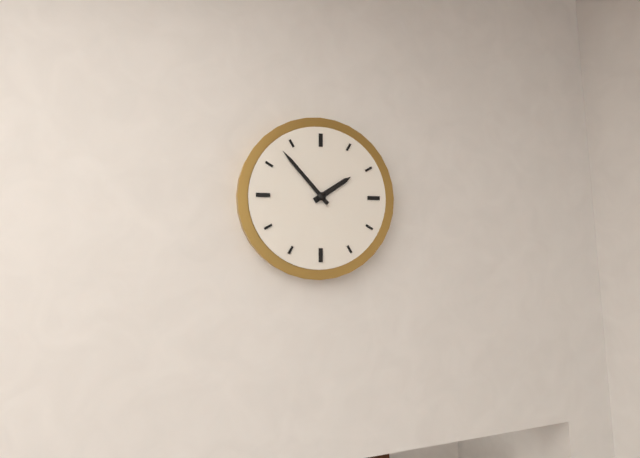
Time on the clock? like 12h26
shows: 1h53
